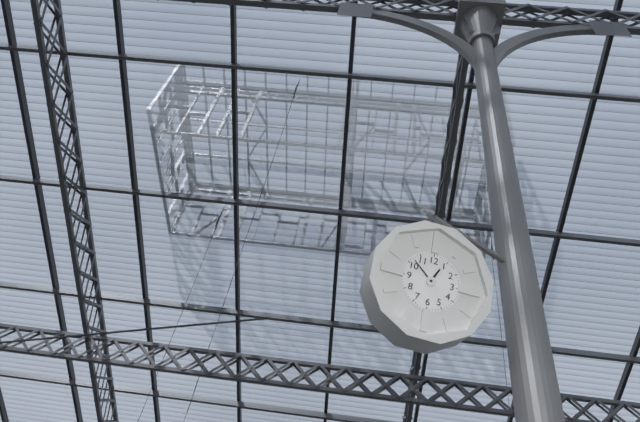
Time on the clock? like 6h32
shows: 12h52
